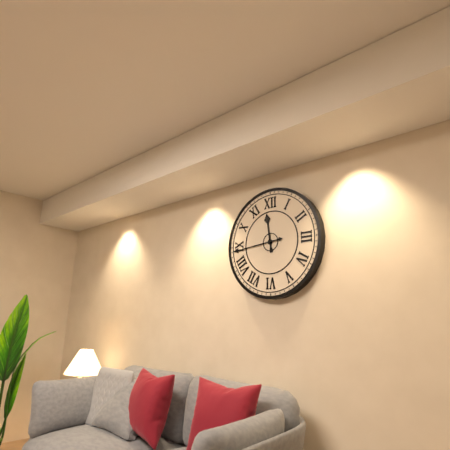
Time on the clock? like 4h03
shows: 11h44
